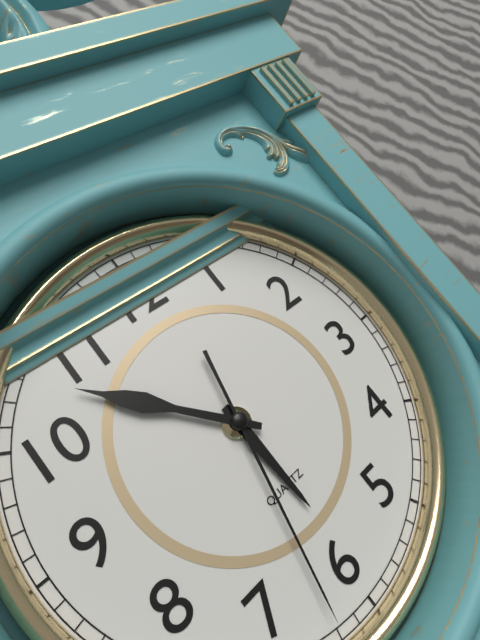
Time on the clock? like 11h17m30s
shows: 5h53m32s
